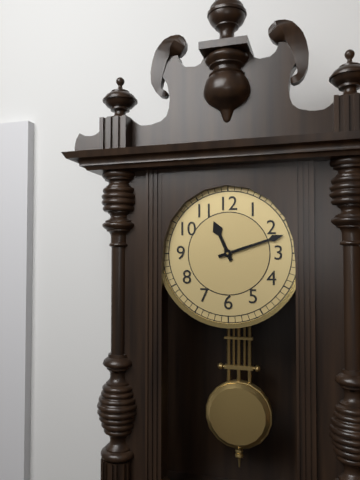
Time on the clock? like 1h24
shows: 11h12
